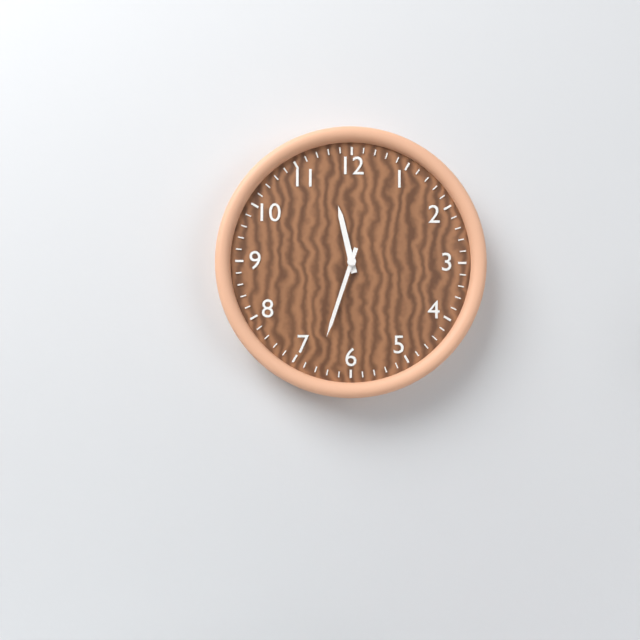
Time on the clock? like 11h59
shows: 11h33
